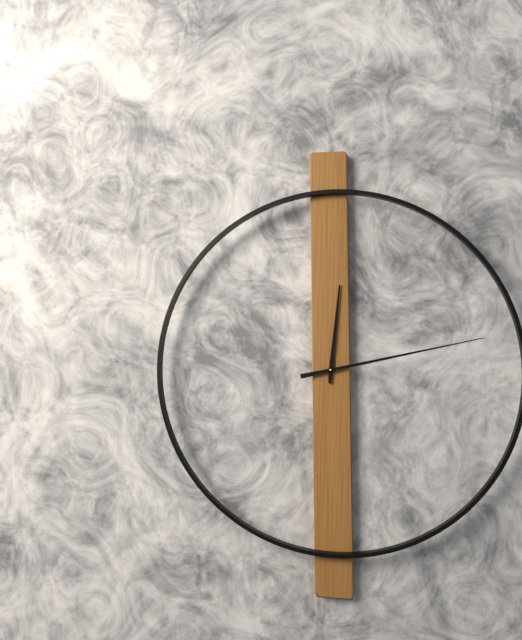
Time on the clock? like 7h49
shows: 12h13
